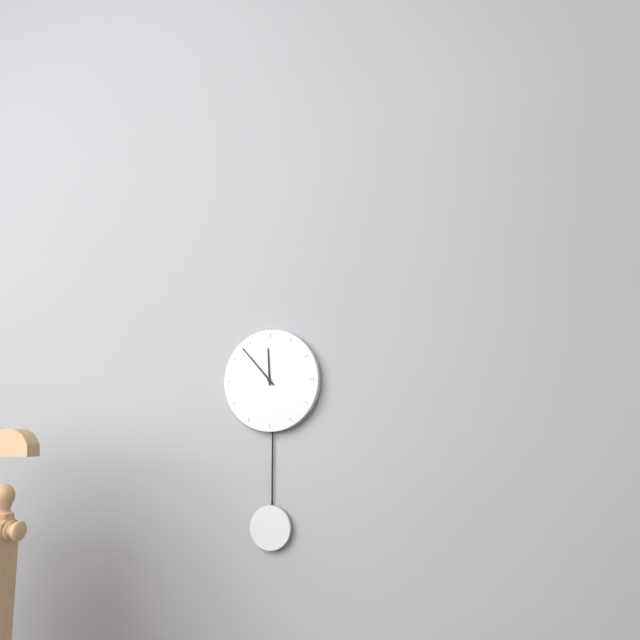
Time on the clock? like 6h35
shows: 11h53
